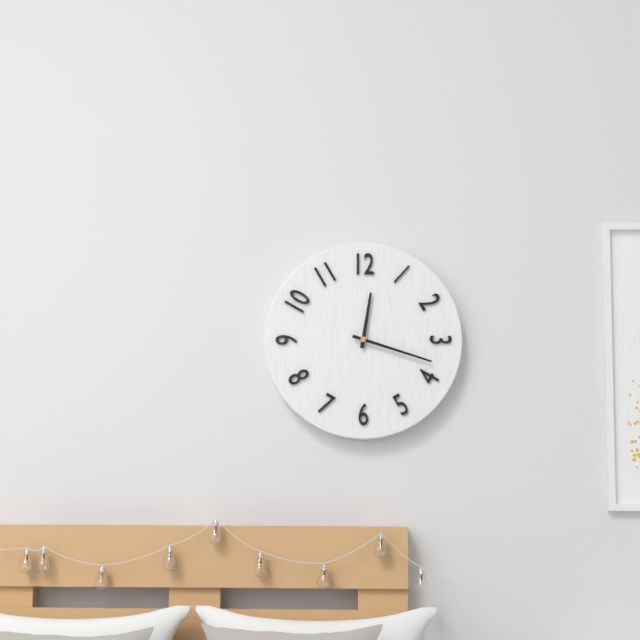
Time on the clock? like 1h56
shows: 12h18
